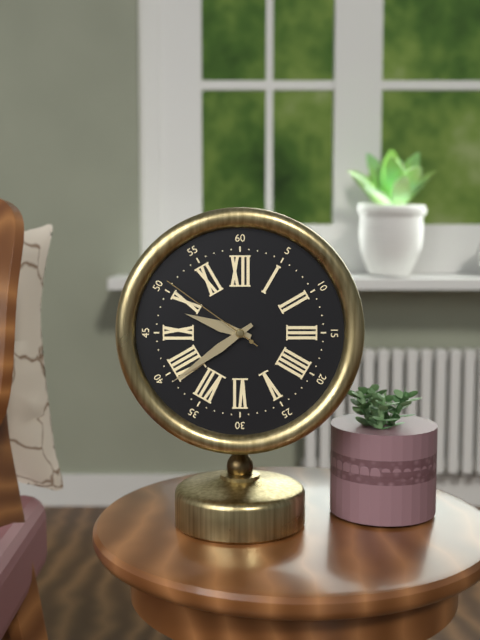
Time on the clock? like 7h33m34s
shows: 9h39m51s
